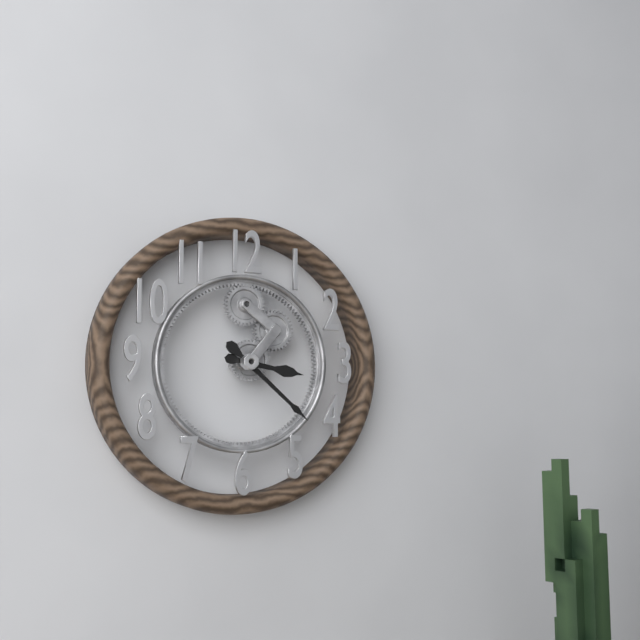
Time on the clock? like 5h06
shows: 3h22
